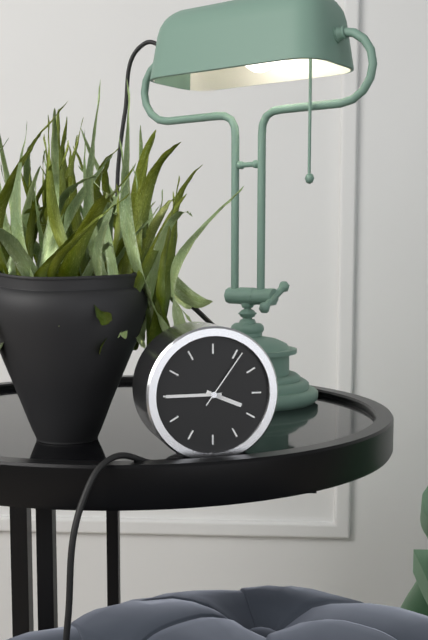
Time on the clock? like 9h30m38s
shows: 3h45m06s
